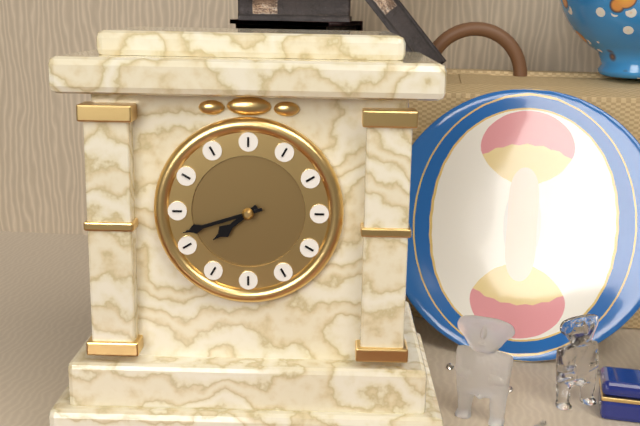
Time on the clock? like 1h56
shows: 7h42
